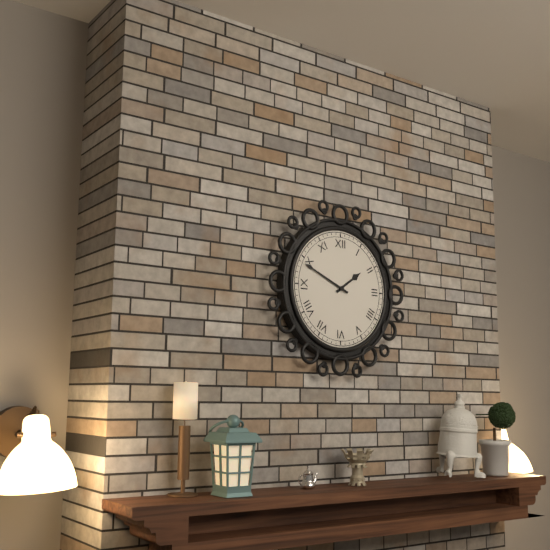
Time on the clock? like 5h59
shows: 1h49
